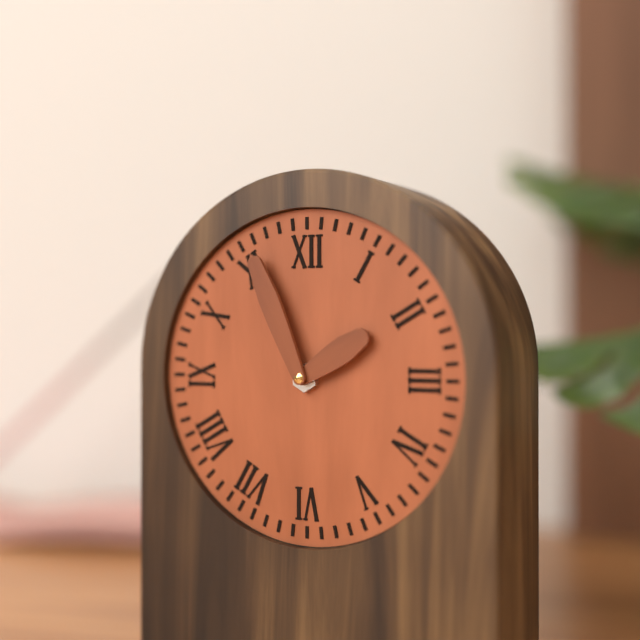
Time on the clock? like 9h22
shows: 1h56
